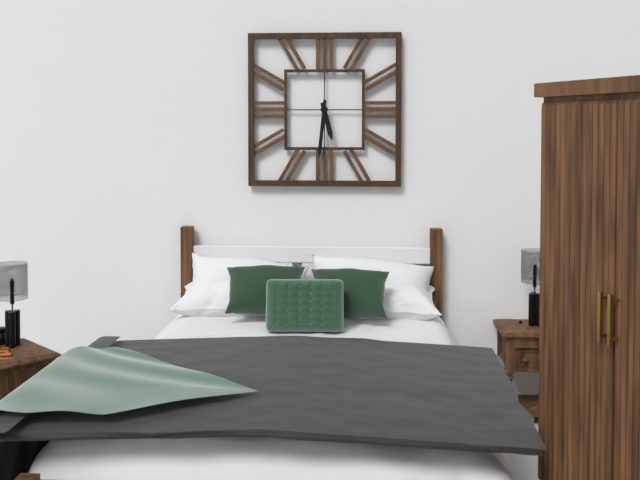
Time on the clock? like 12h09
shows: 5h31
